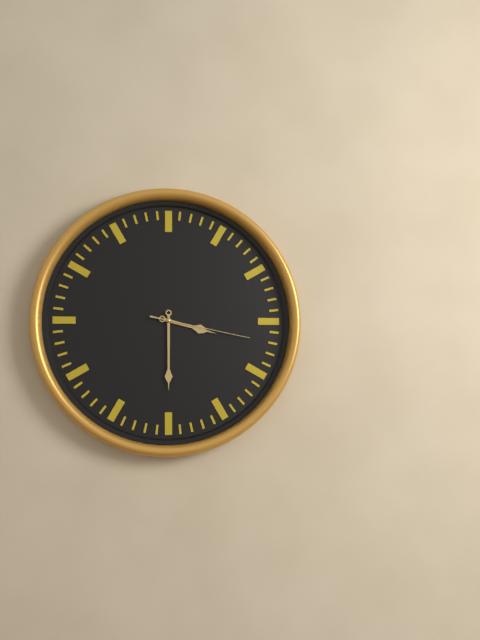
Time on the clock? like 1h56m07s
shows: 3h30m17s
